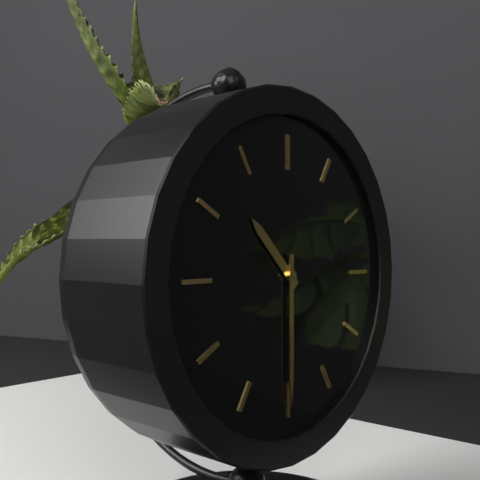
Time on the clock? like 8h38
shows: 10h30
